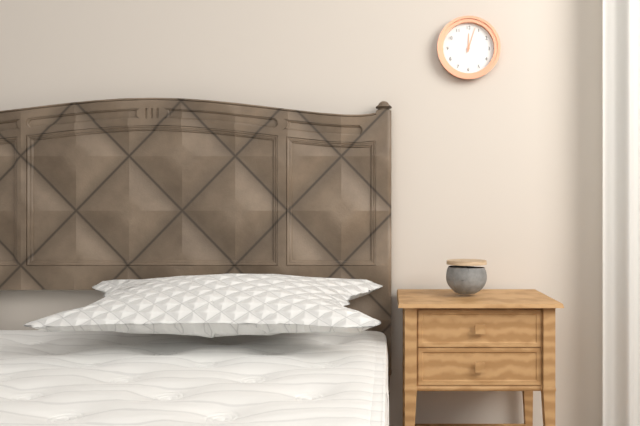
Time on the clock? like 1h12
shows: 12h03
